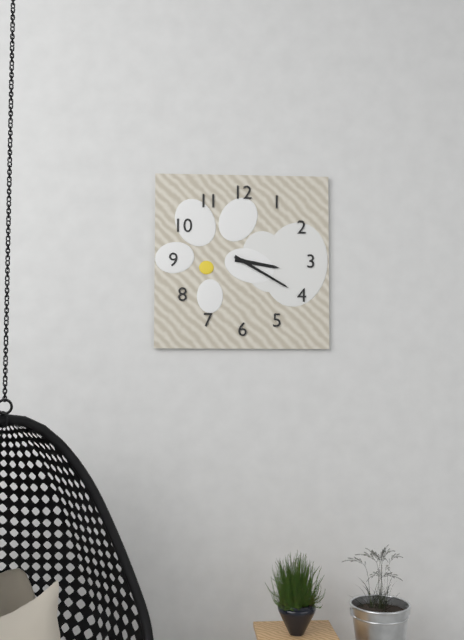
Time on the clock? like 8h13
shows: 3h20
